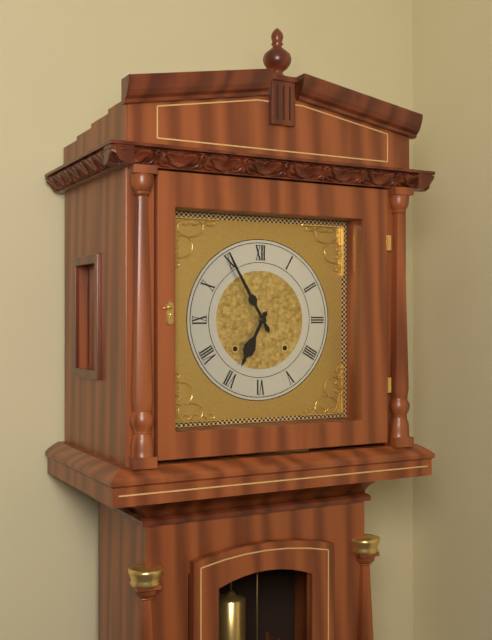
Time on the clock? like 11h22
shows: 6h55
